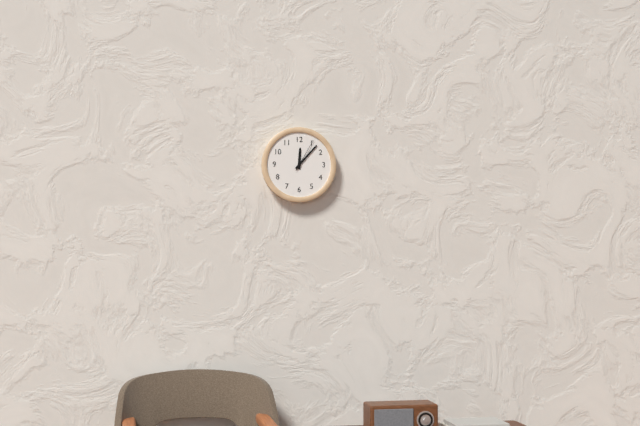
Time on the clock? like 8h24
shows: 12h07
